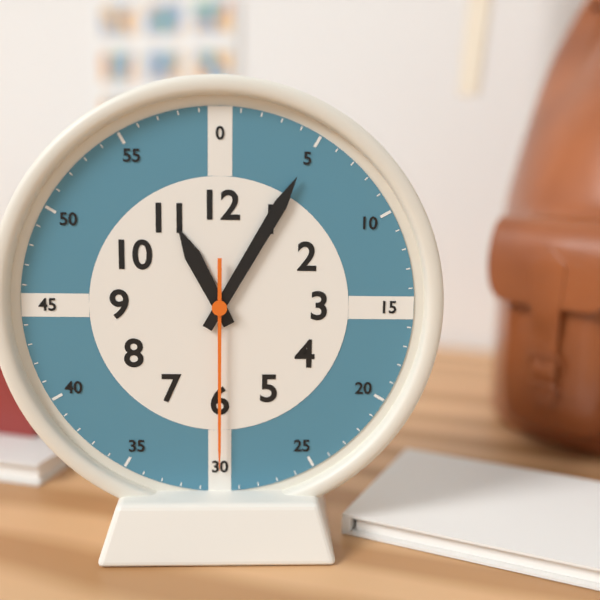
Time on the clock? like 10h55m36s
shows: 11h05m30s
